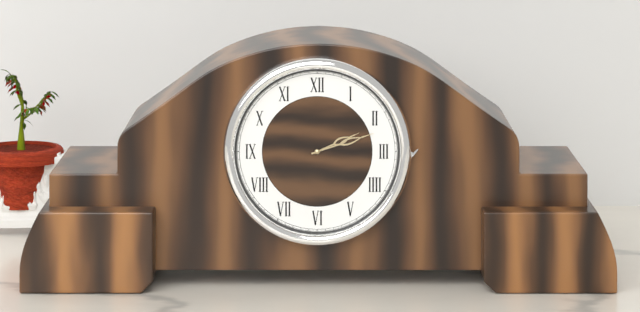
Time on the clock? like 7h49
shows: 2h12
